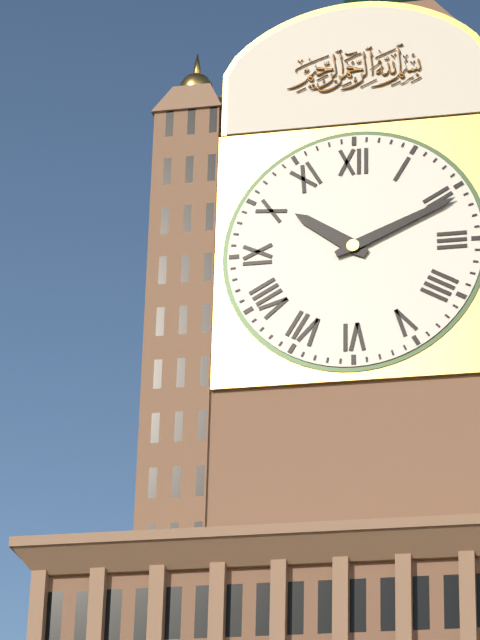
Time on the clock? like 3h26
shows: 10h11
